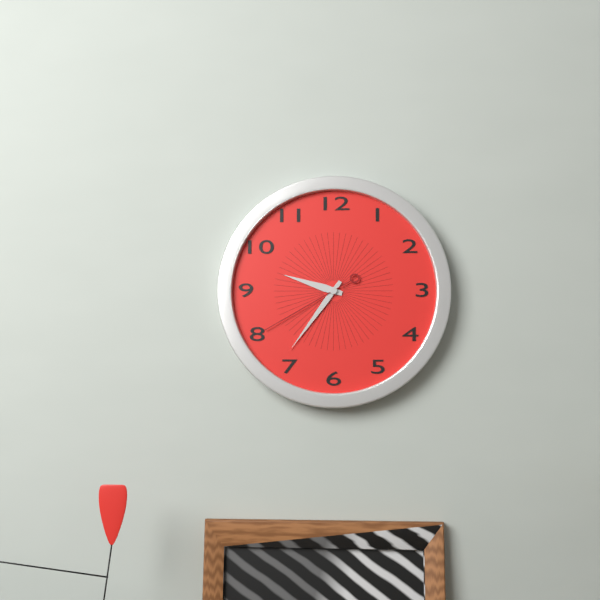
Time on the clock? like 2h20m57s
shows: 9h36m40s
